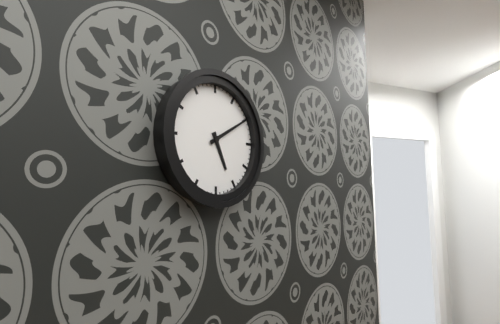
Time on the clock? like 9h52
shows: 5h10
